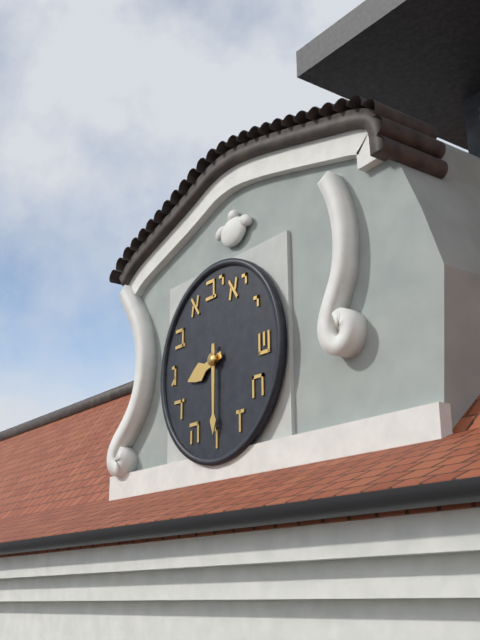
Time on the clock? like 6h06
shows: 8h30
